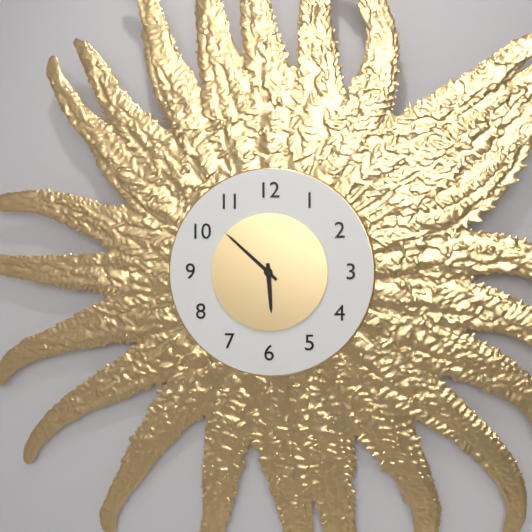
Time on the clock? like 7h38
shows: 5h52
